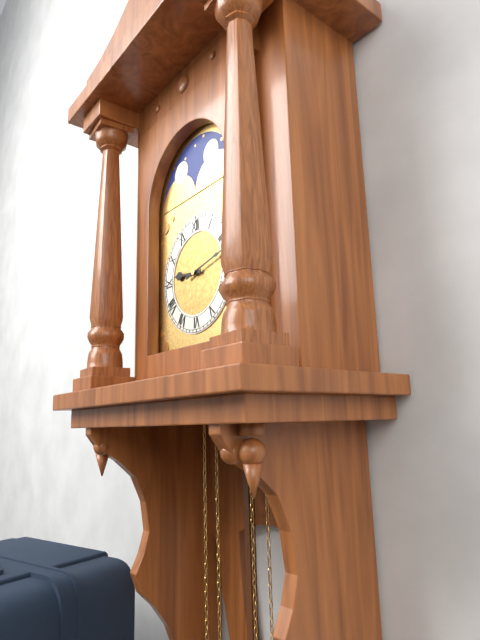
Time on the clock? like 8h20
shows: 9h13
